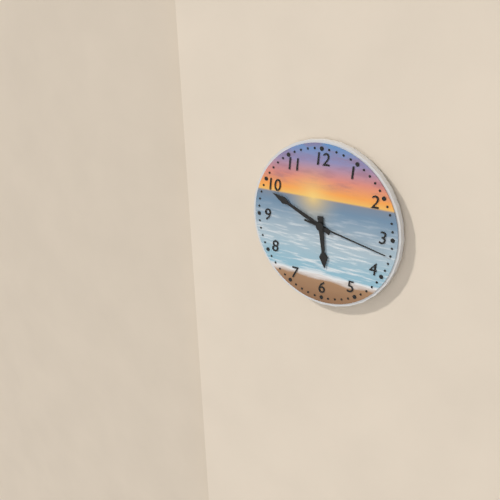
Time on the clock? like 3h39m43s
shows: 5h49m17s
